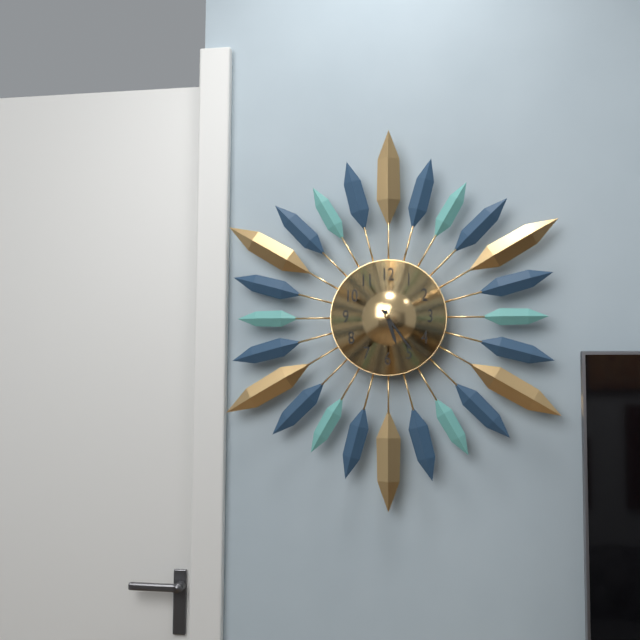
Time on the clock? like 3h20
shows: 5h24
